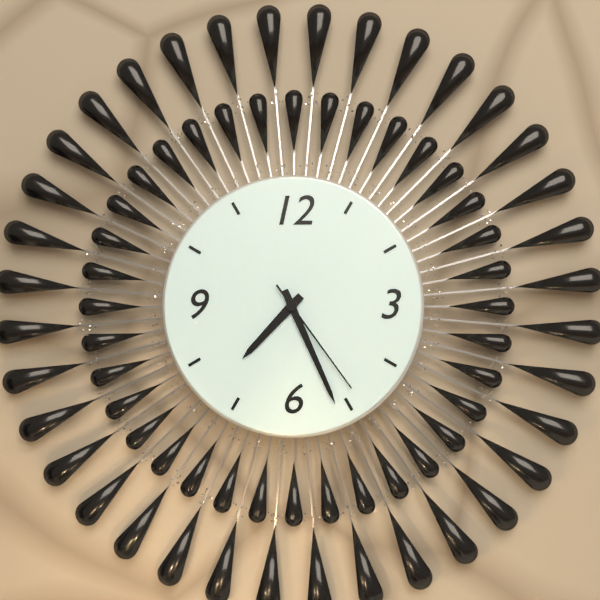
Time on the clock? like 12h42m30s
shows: 7h26m24s
